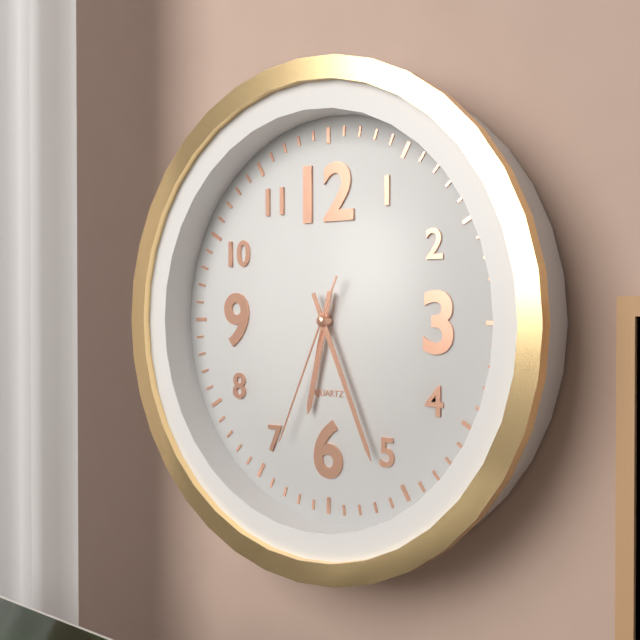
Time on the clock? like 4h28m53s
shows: 6h26m34s
